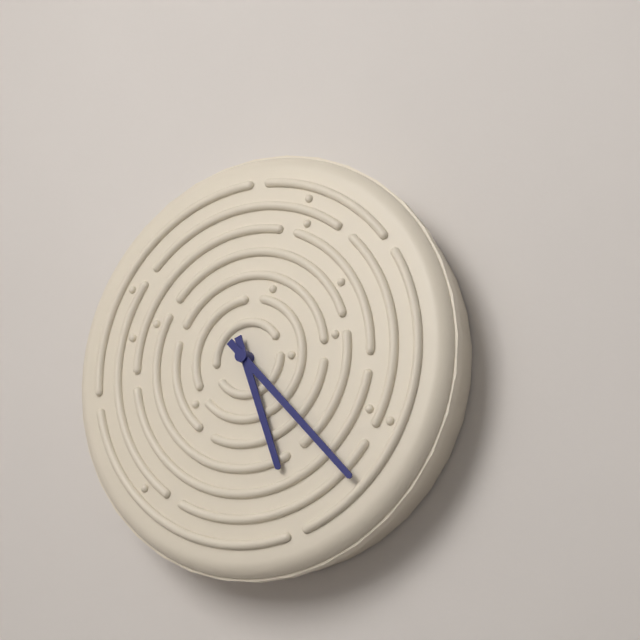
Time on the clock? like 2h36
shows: 5h23
